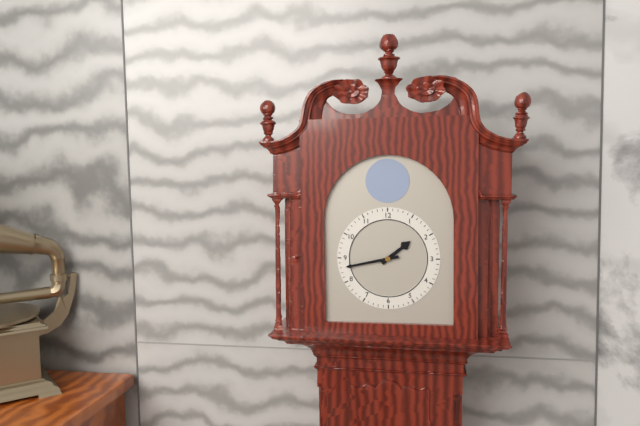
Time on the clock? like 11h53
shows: 1h43
